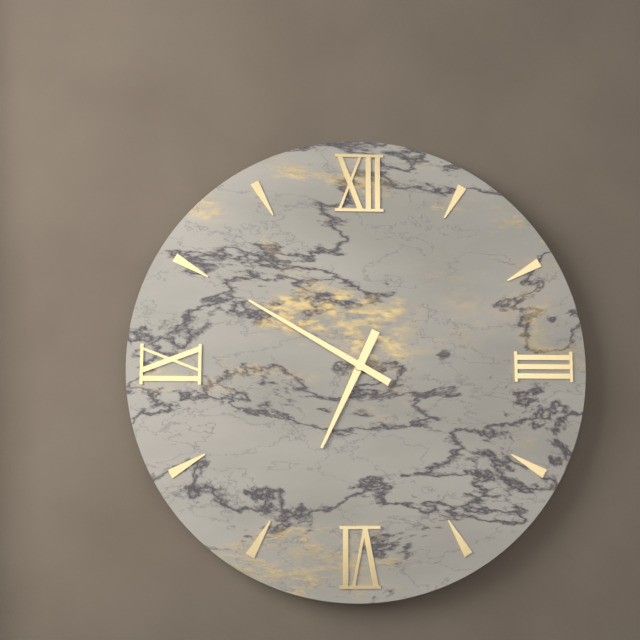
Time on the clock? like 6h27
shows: 6h50
